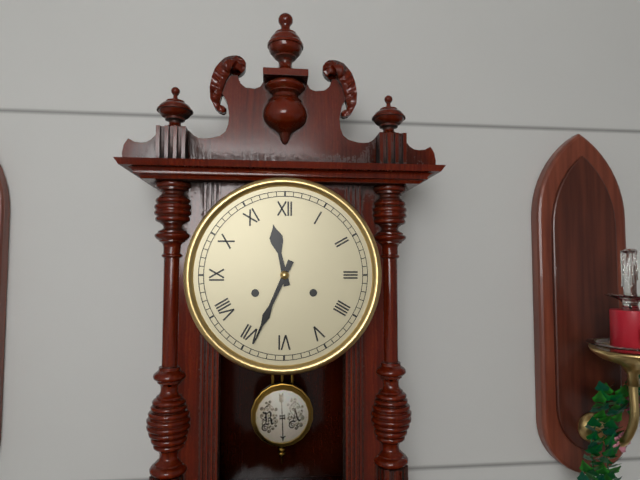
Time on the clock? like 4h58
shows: 11h34
